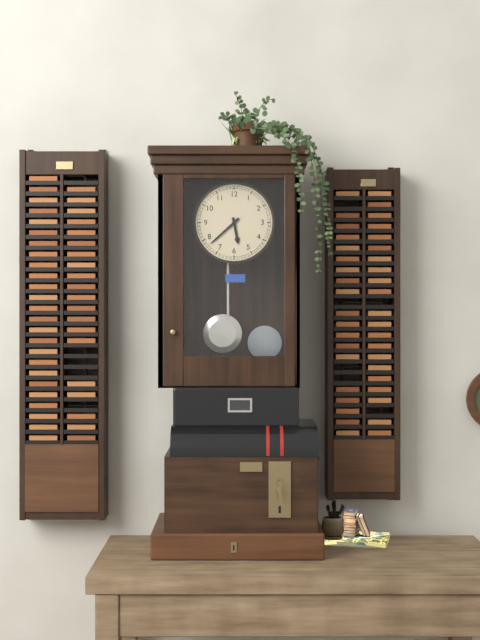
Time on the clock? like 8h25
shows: 5h38
